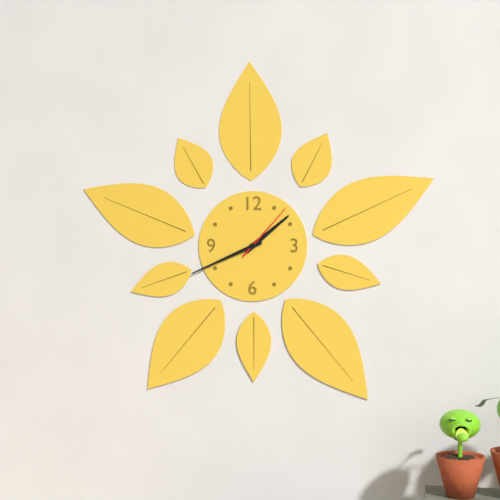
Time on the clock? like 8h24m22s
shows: 1h41m07s
